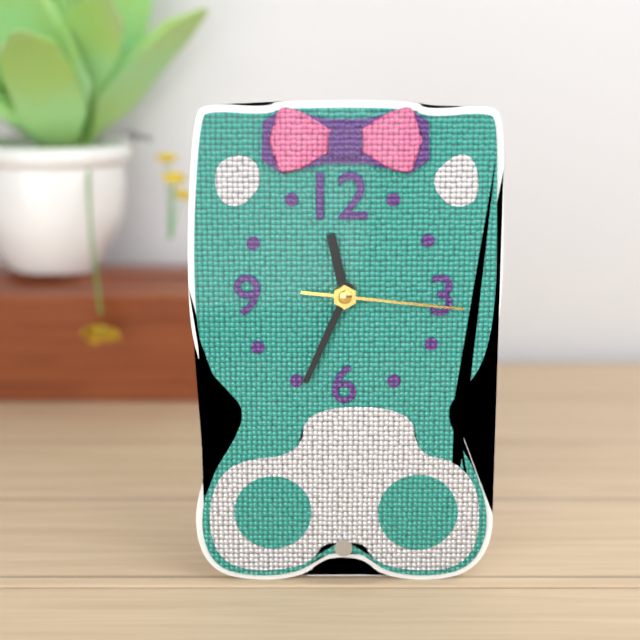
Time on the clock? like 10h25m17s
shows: 11h34m16s
